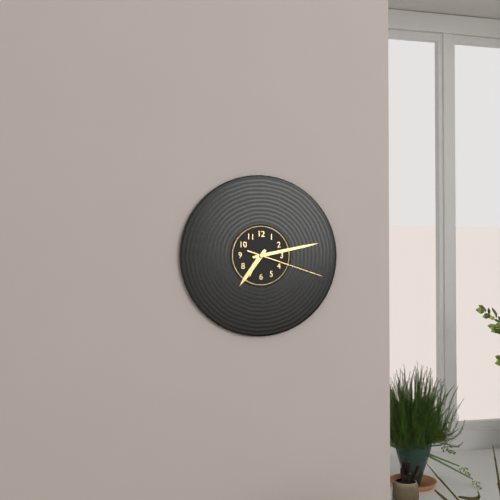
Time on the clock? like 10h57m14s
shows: 7h13m18s
